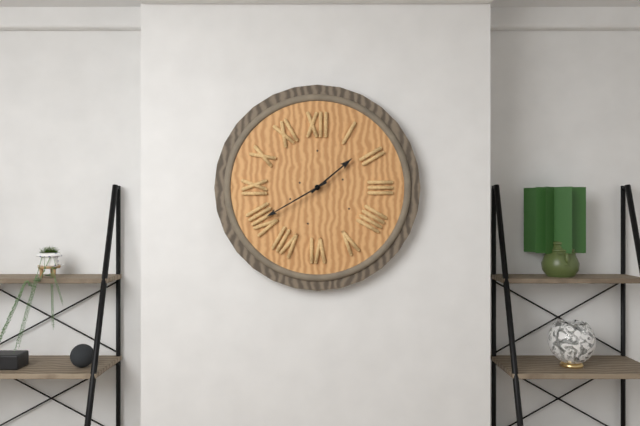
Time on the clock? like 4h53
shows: 1h40
